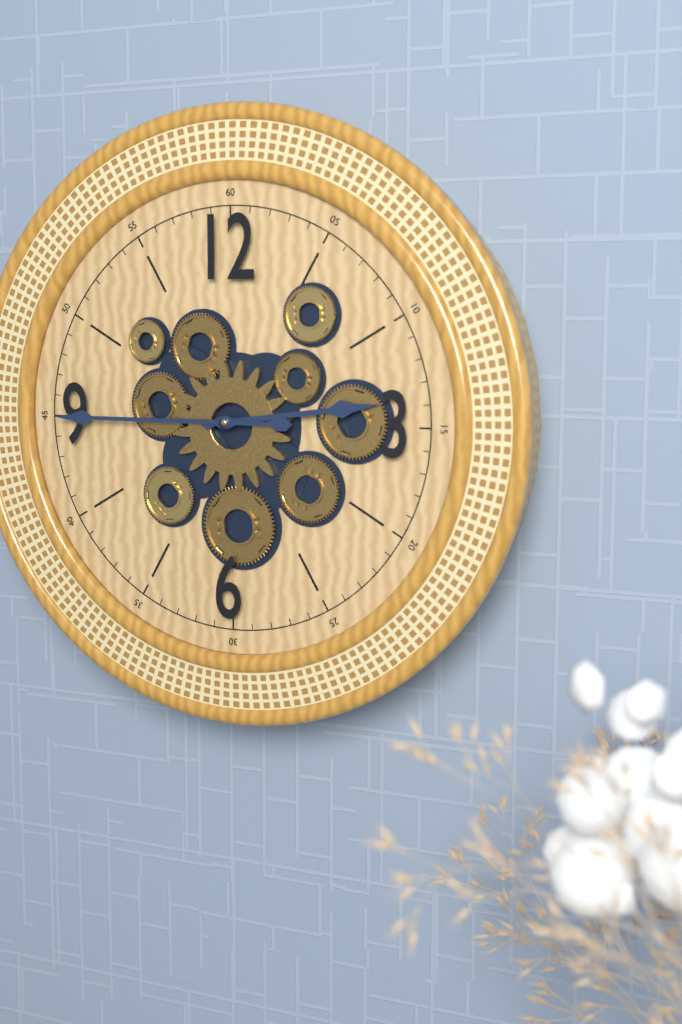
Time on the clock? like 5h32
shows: 2h45
